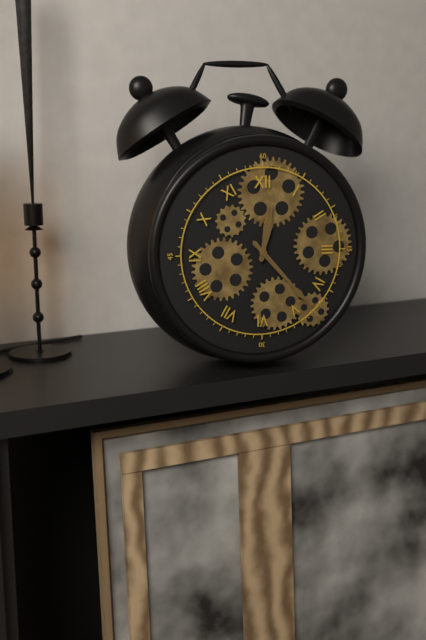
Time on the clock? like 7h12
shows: 12h23
